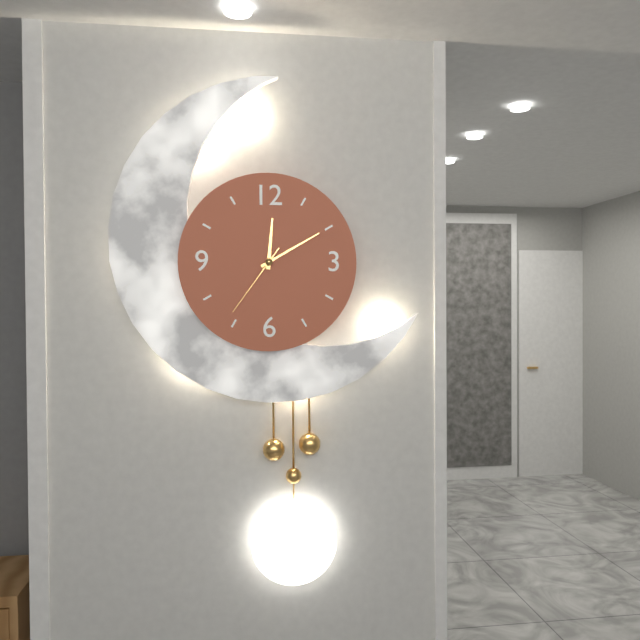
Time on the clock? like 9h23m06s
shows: 12h10m36s
